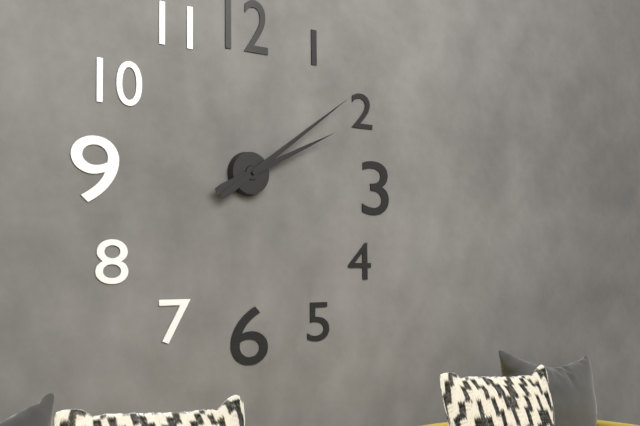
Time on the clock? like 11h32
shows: 2h09
